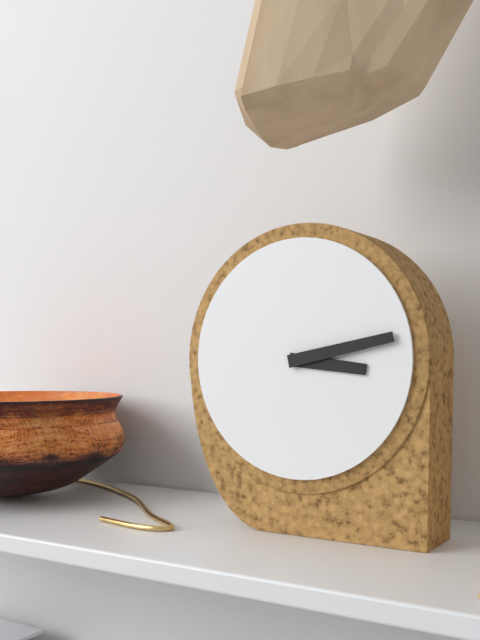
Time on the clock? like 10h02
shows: 3h13
